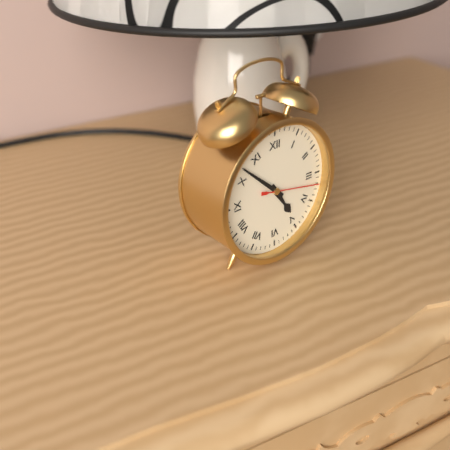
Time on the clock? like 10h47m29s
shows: 4h52m17s
